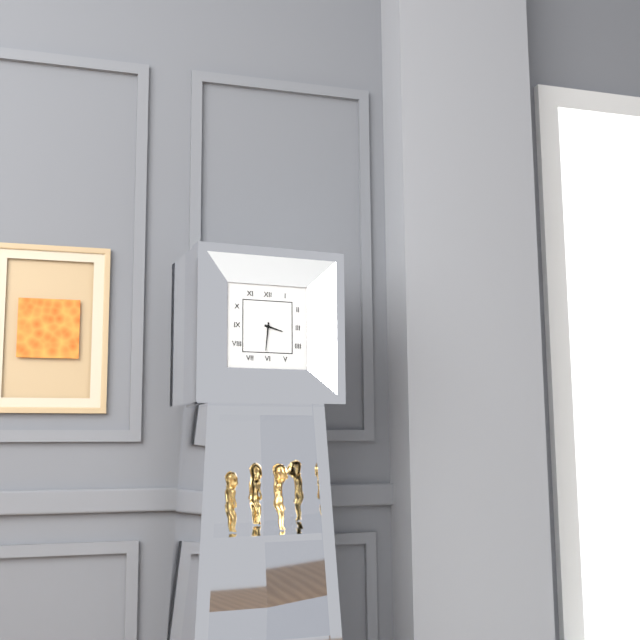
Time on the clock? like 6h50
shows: 3h31
